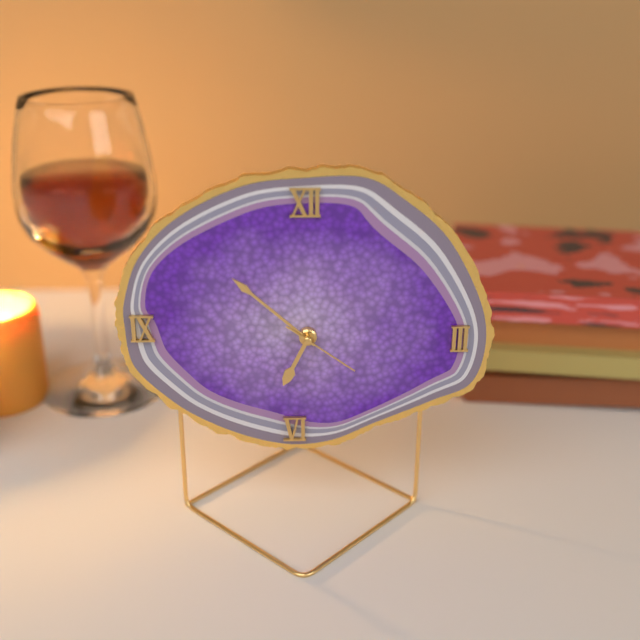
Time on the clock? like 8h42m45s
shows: 6h52m21s
